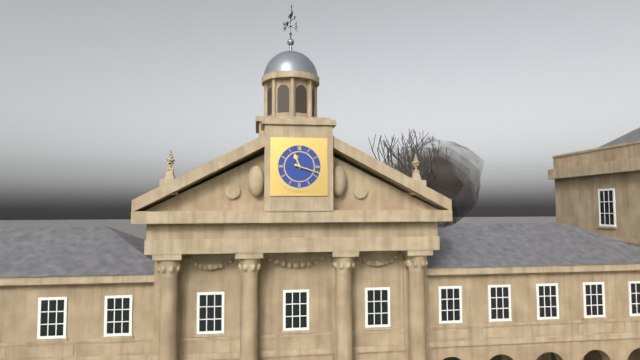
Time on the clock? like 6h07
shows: 11h18
